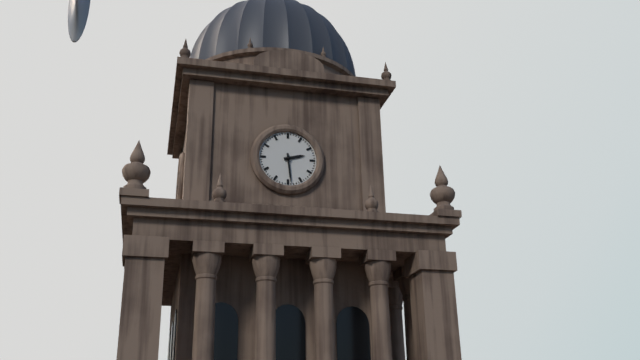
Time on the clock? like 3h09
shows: 2h29
